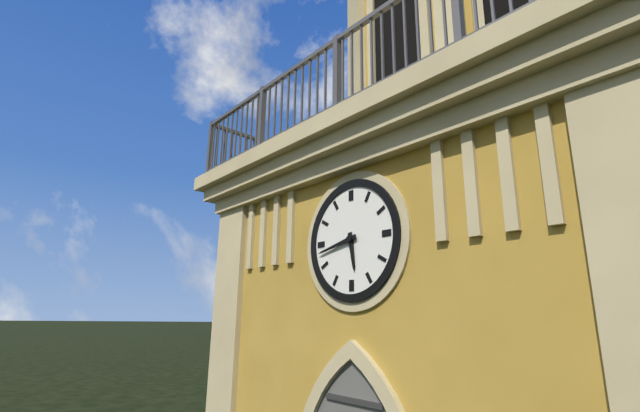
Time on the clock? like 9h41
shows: 5h43
